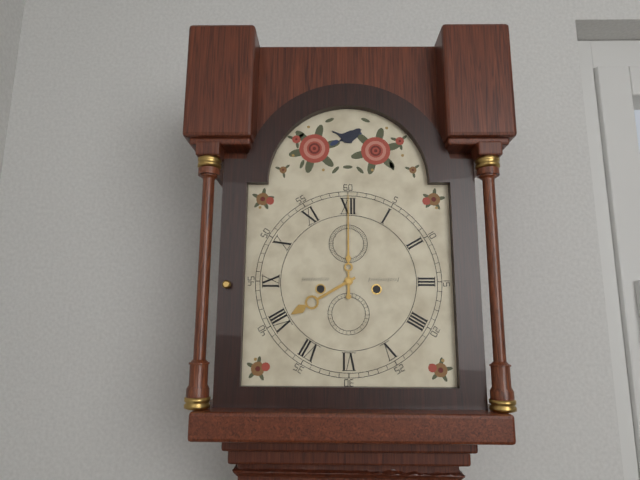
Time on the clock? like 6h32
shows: 8h00
